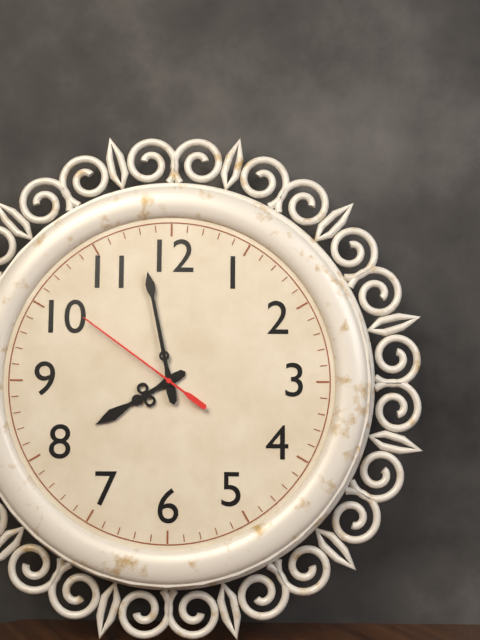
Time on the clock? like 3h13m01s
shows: 7h58m51s
